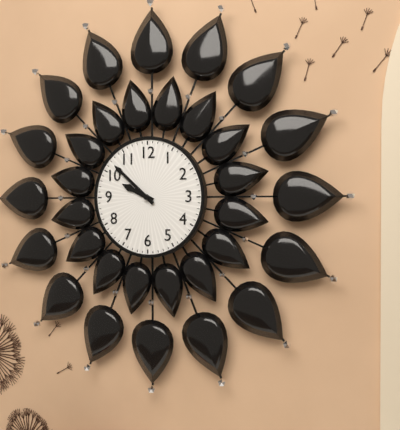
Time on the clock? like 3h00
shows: 9h52
